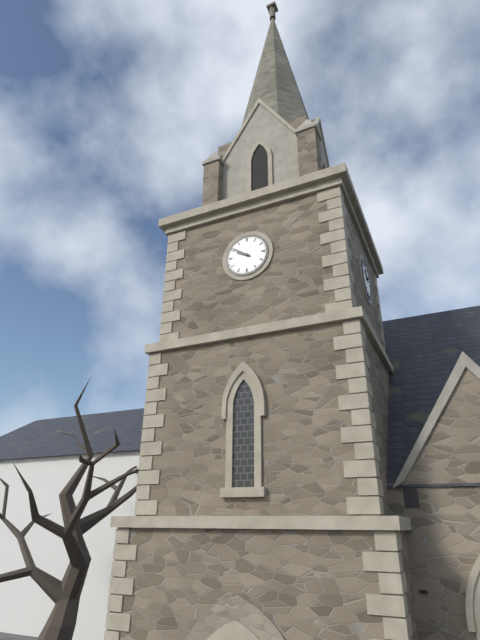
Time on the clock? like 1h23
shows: 9h51
